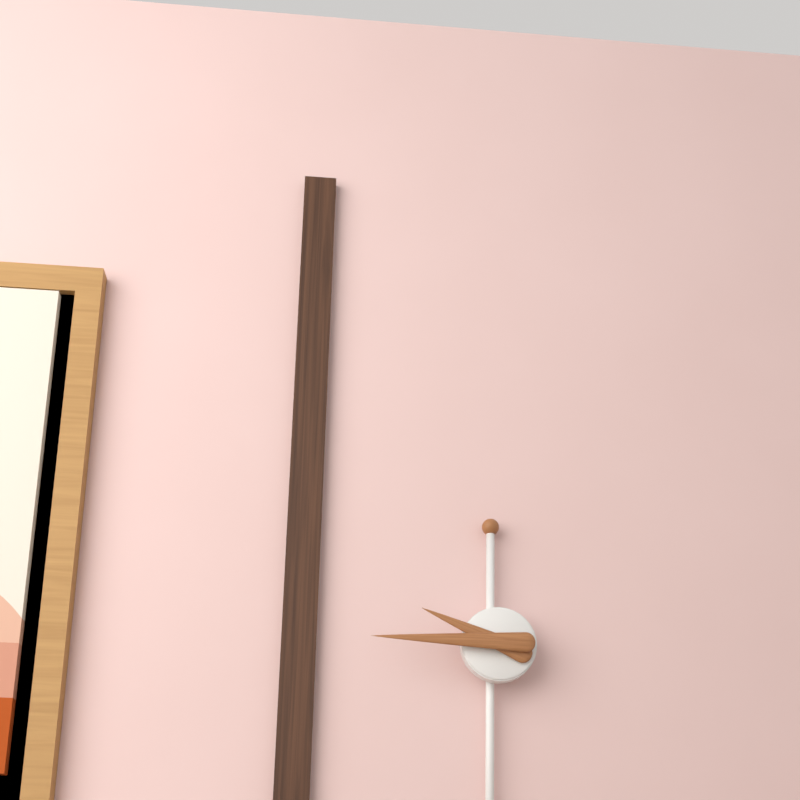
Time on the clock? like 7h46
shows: 9h45
